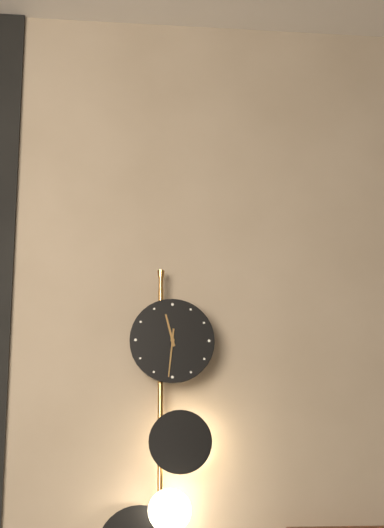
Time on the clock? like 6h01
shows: 11h31
